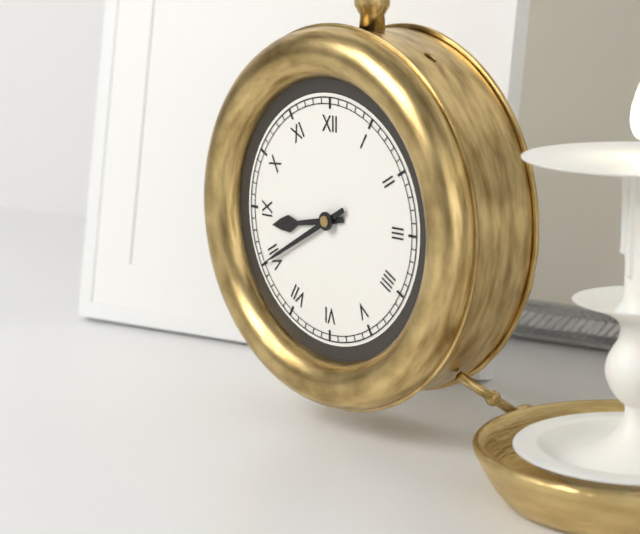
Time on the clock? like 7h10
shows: 8h40
